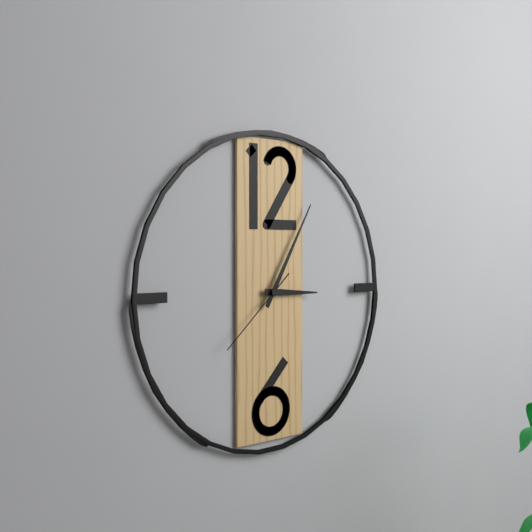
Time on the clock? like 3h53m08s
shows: 3h05m38s
